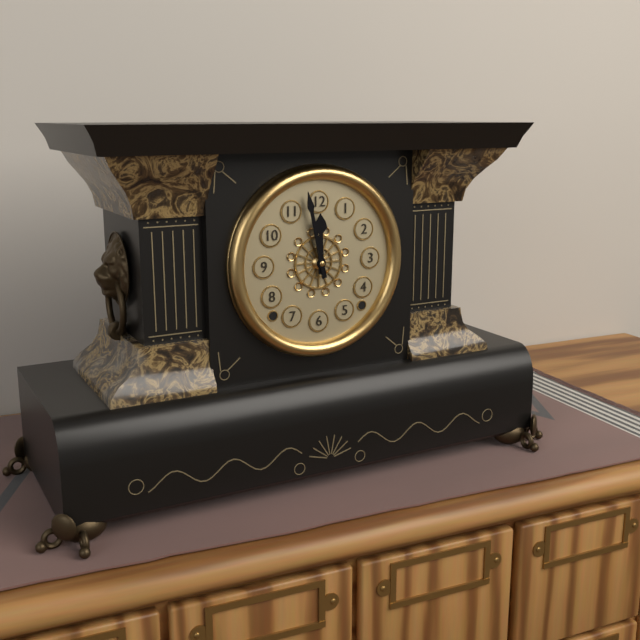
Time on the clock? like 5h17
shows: 11h58
